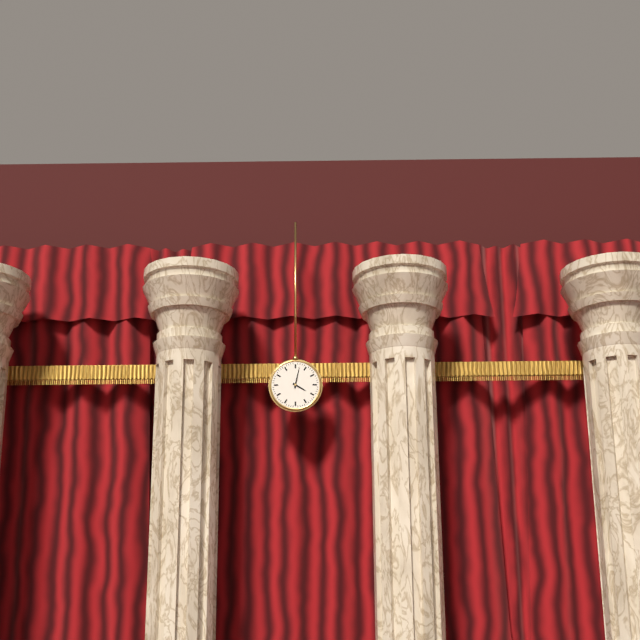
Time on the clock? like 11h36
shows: 4h02
